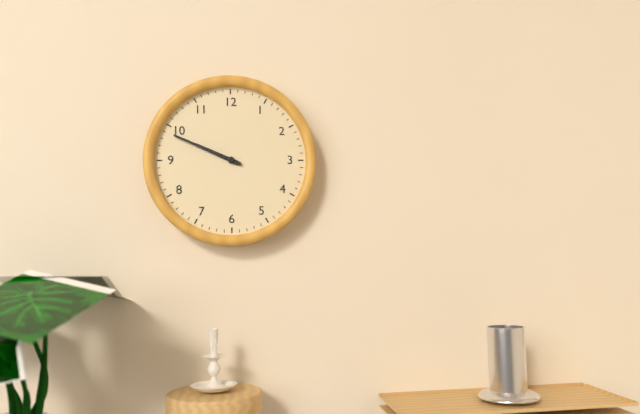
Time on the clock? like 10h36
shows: 9h49
